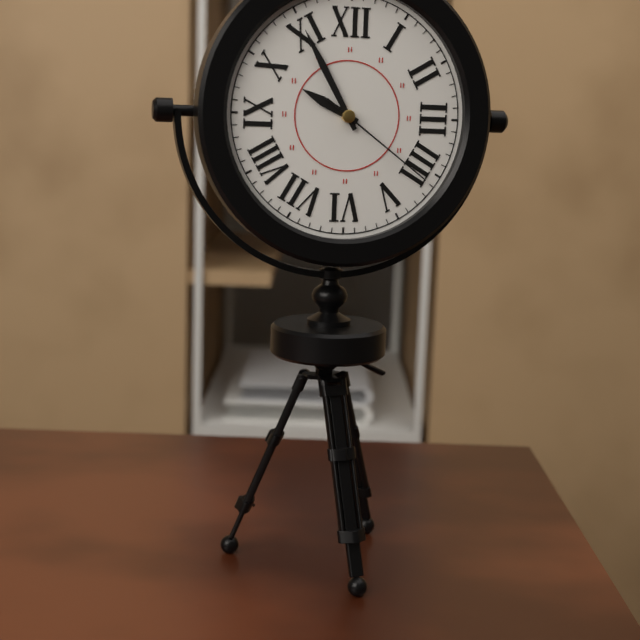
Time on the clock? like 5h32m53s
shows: 9h55m21s
